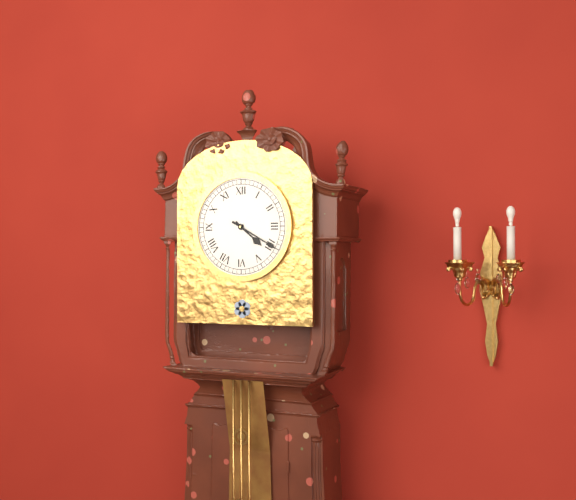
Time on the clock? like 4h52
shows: 4h20
